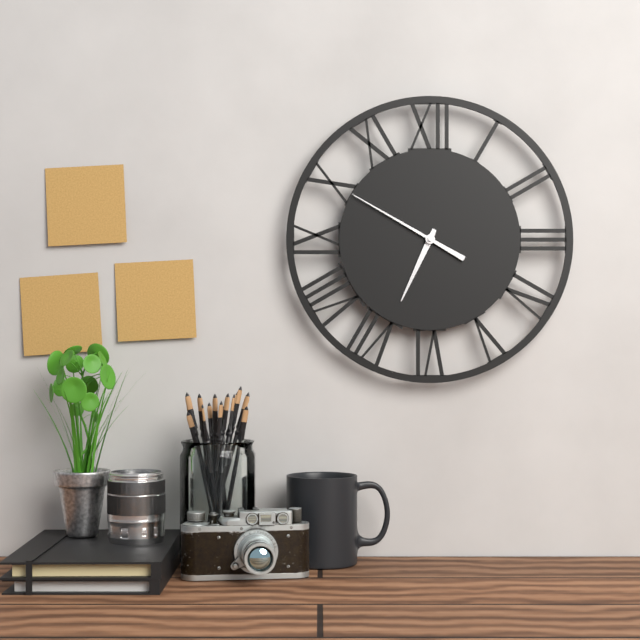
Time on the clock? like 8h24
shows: 6h50
